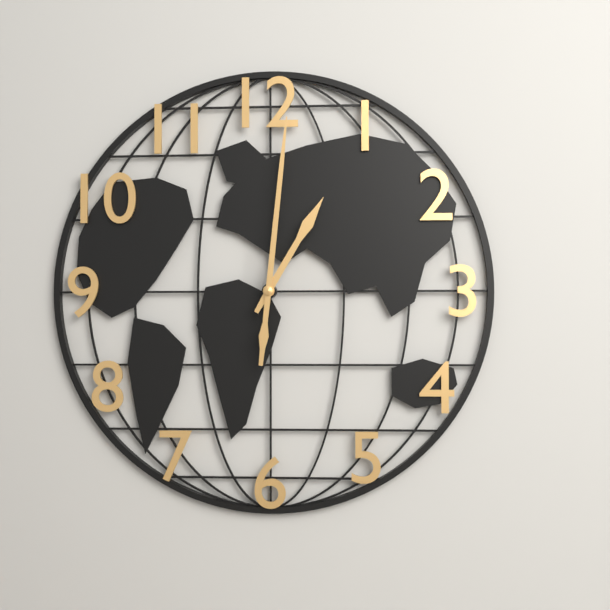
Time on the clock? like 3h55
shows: 1h01
